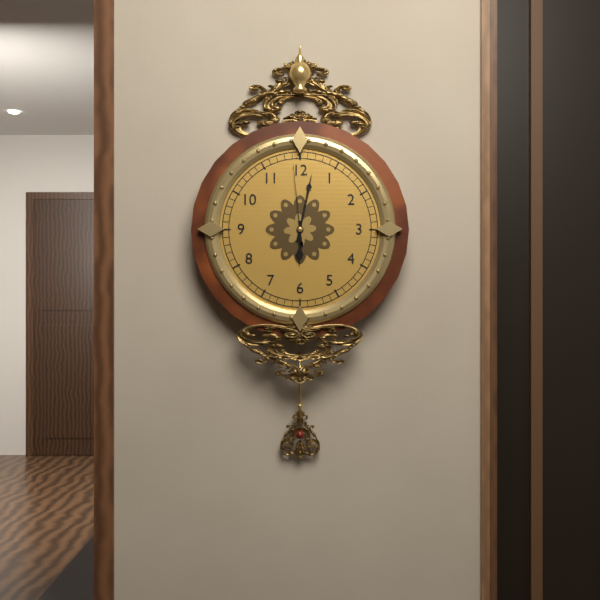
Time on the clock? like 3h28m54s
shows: 6h02m59s
